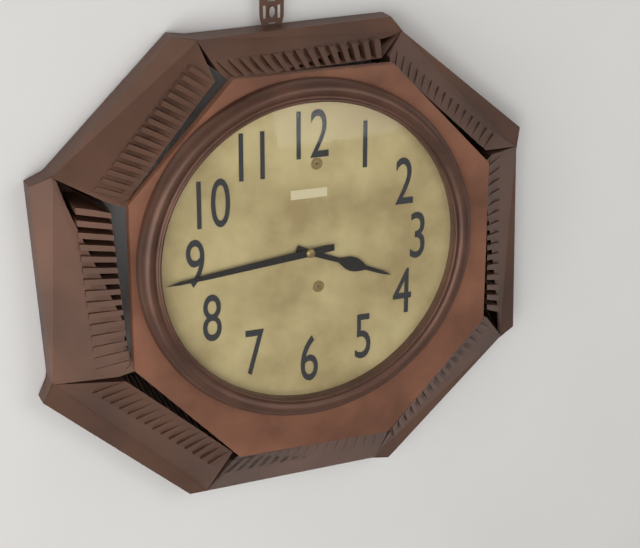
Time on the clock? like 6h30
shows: 3h44
